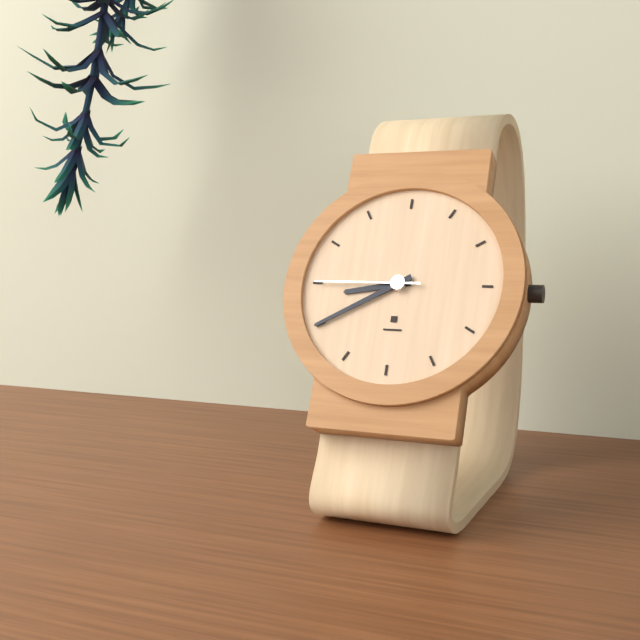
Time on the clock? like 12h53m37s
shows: 8h40m45s
